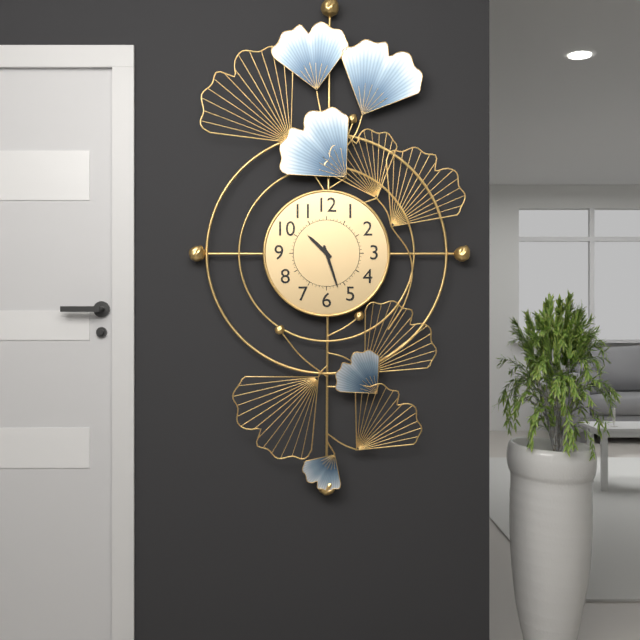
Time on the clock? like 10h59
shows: 10h27
